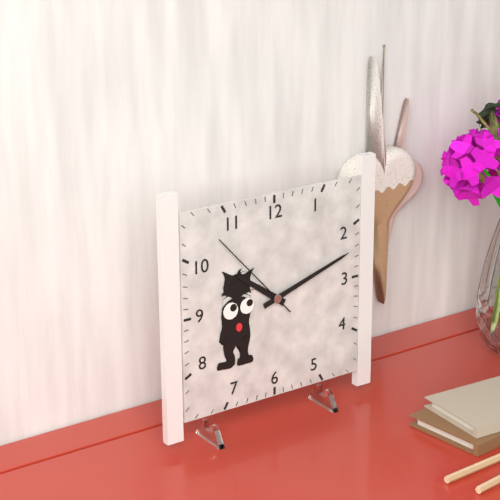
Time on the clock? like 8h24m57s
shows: 10h12m53s
